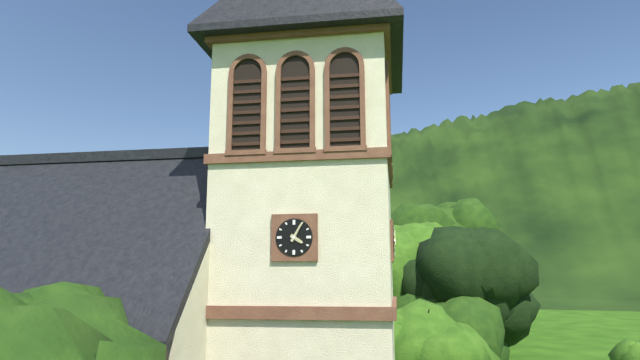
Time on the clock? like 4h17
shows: 4h05
